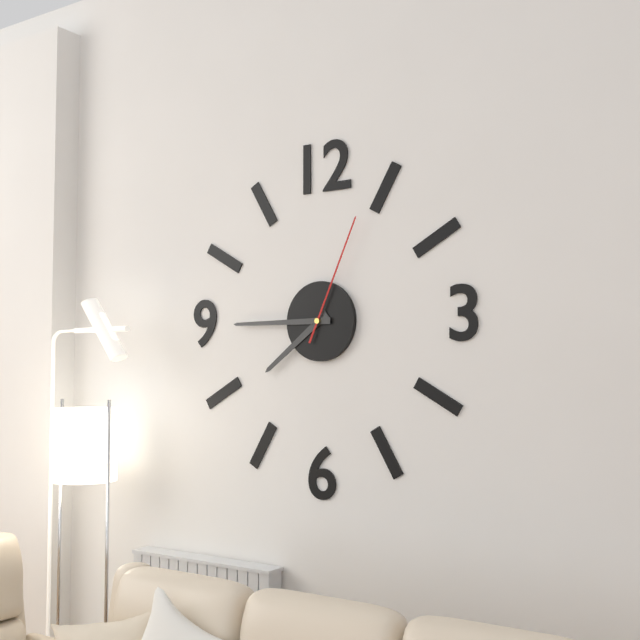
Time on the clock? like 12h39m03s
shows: 7h45m04s
